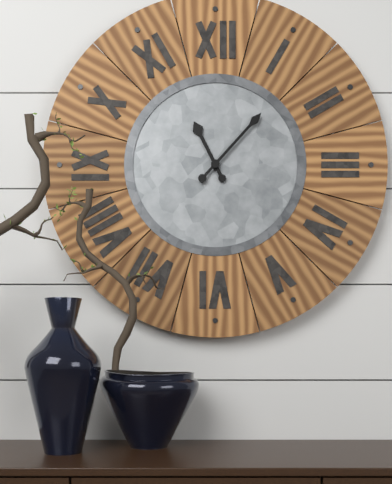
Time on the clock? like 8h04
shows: 11h07
